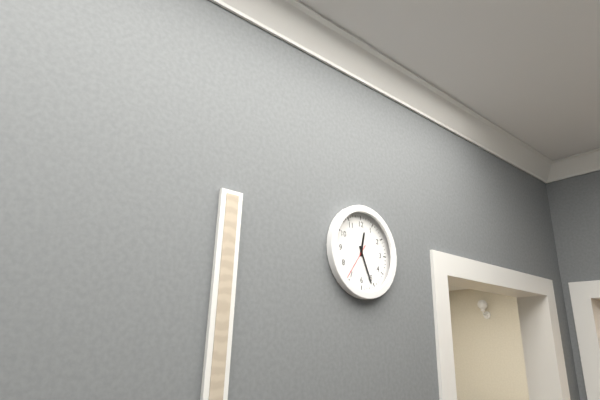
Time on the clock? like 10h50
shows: 12h26
